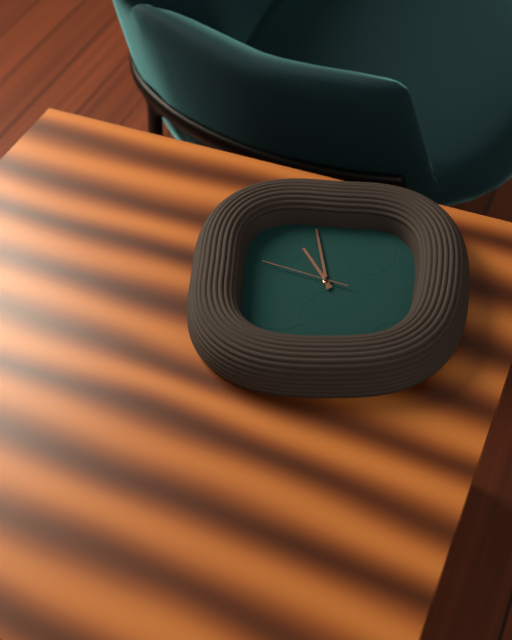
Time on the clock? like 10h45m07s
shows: 10h58m48s
